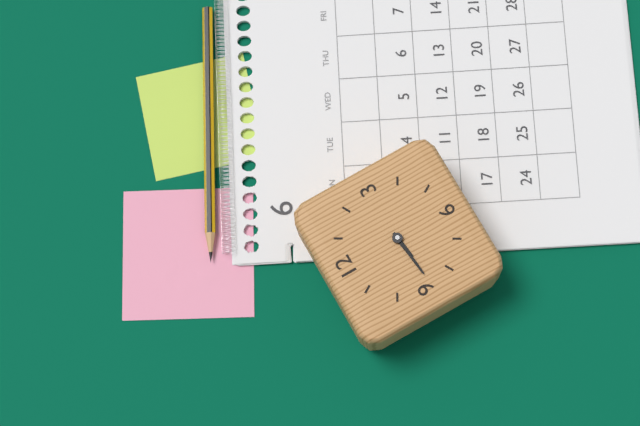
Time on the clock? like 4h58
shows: 8h44
